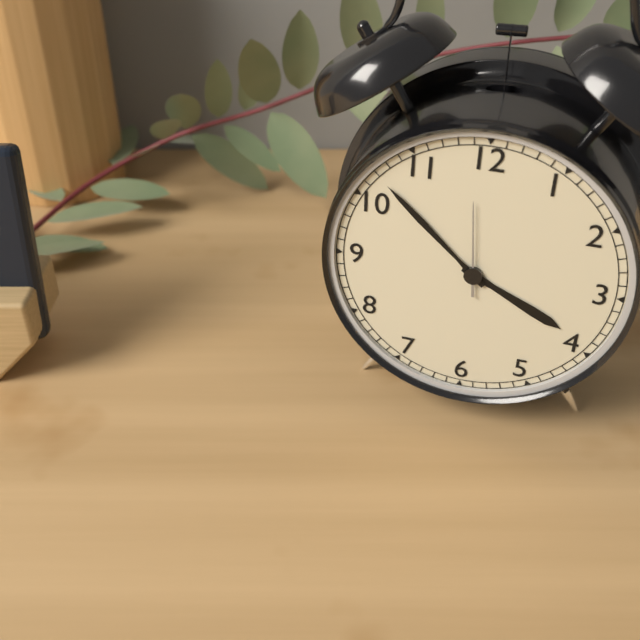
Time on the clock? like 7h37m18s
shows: 3h52m59s
